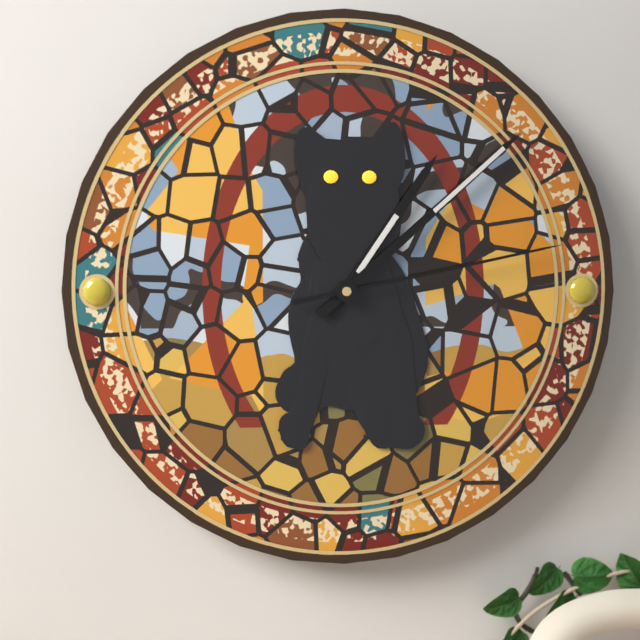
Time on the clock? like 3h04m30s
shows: 1h08m13s
